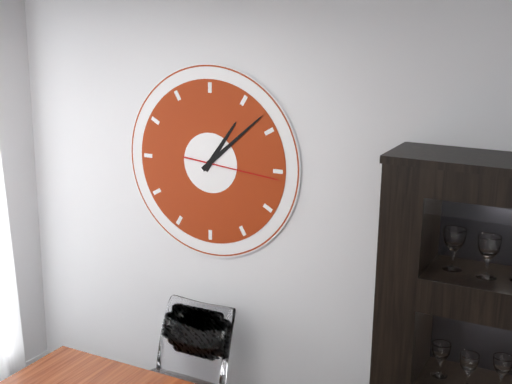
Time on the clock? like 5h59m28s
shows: 1h08m16s
